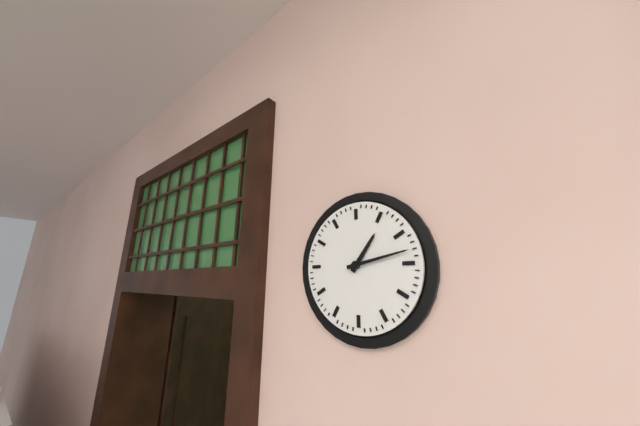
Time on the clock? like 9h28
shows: 1h13
